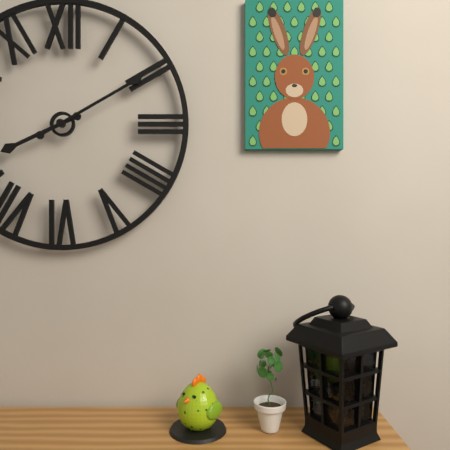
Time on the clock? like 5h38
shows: 8h10
